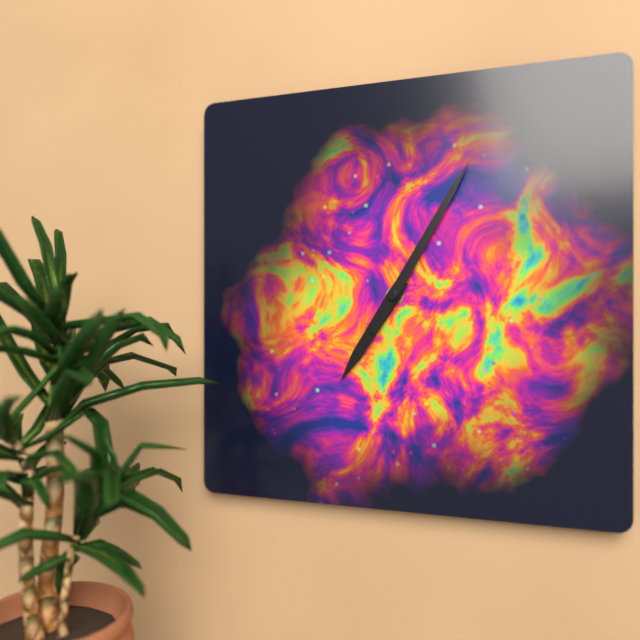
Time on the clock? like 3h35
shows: 7h05
